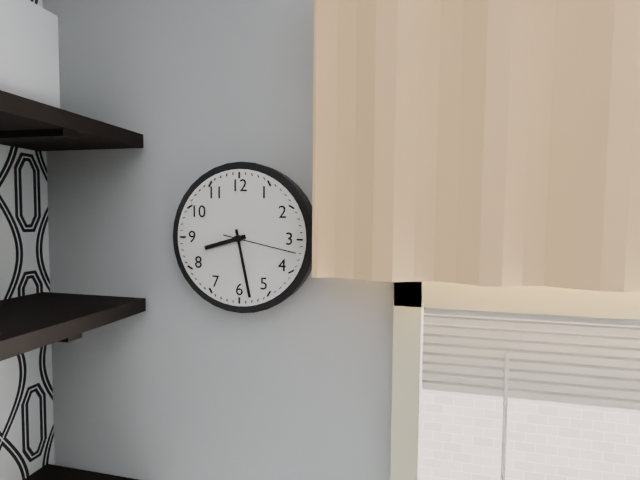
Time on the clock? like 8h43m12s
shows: 8h28m17s
